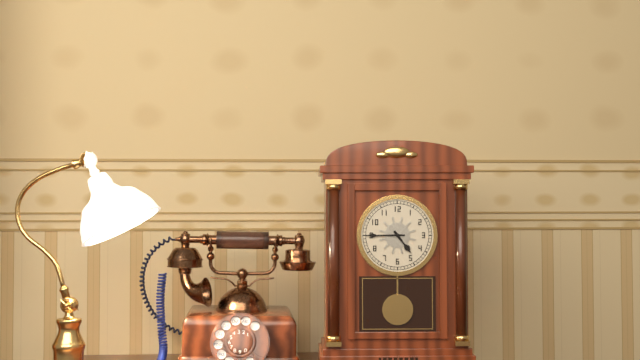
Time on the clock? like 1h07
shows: 4h45
